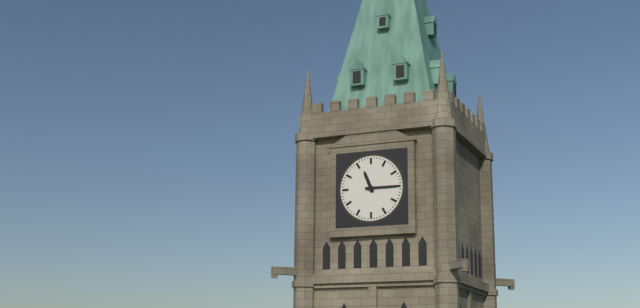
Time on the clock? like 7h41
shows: 11h15
